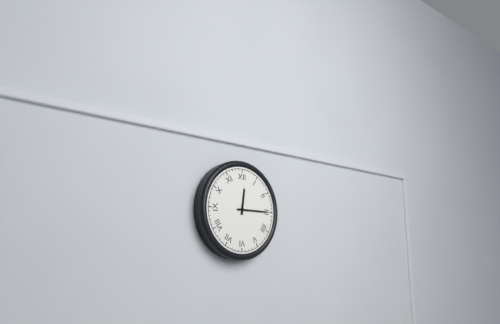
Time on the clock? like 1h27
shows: 12h15
